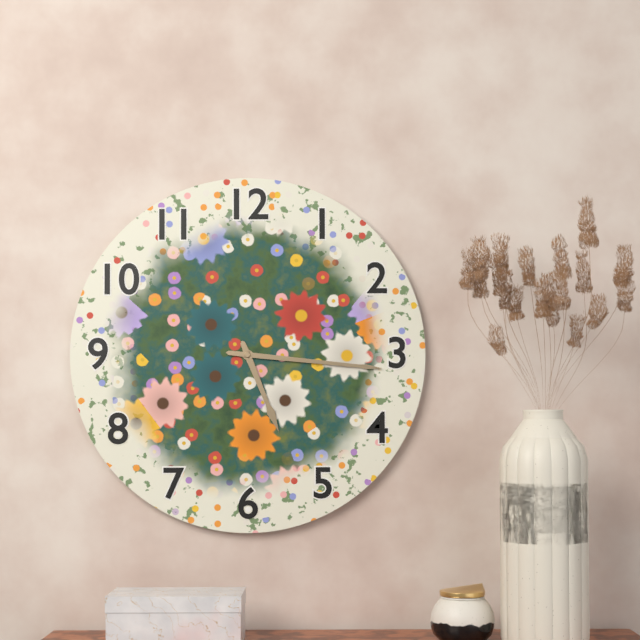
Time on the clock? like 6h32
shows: 5h16
